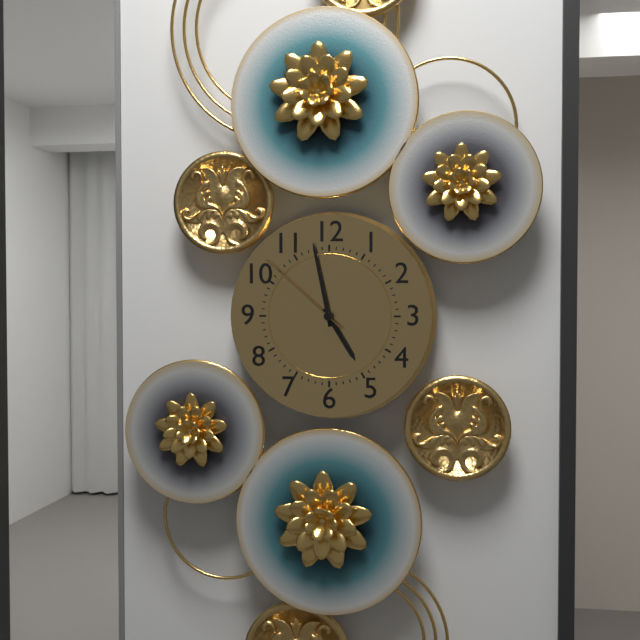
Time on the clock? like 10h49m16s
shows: 4h58m52s
